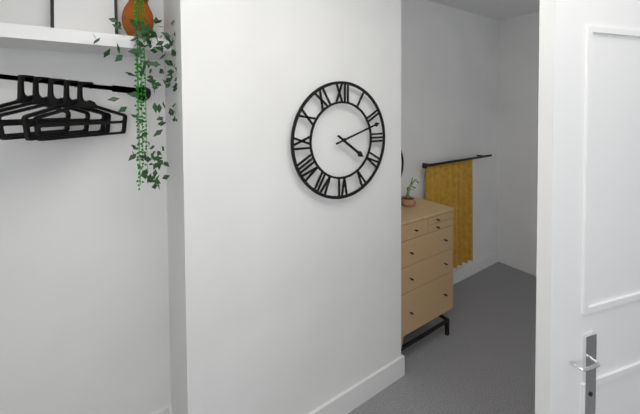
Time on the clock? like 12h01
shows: 4h12
